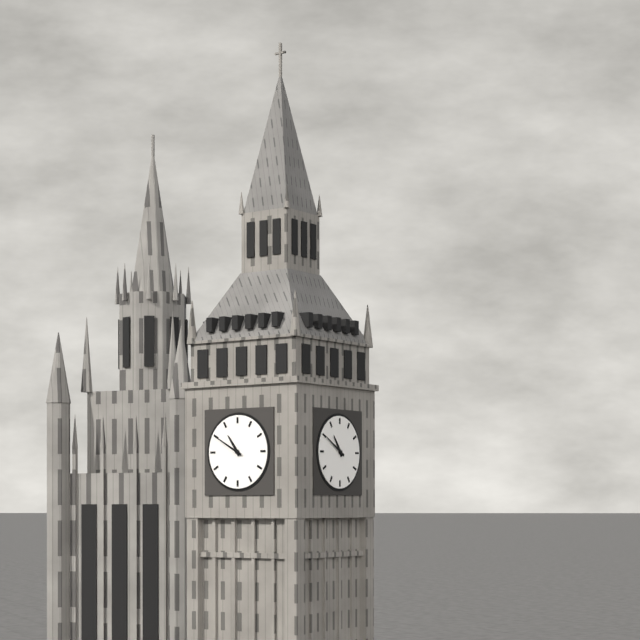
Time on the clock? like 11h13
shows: 10h50
